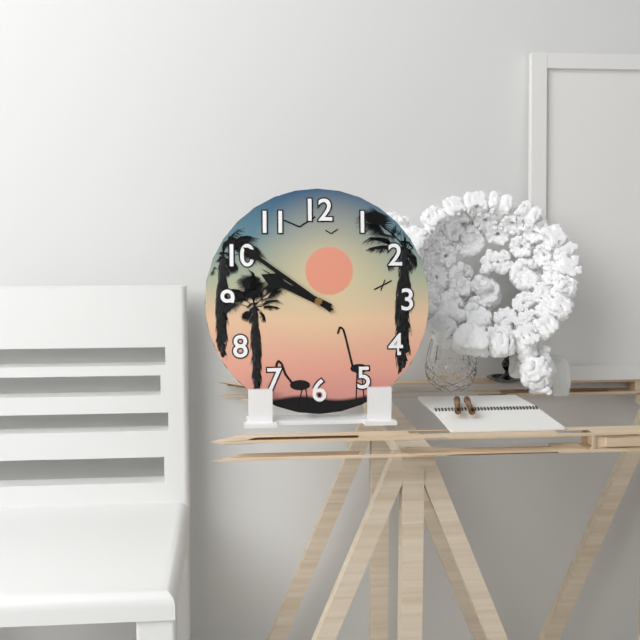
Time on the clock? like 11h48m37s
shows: 9h51m50s
